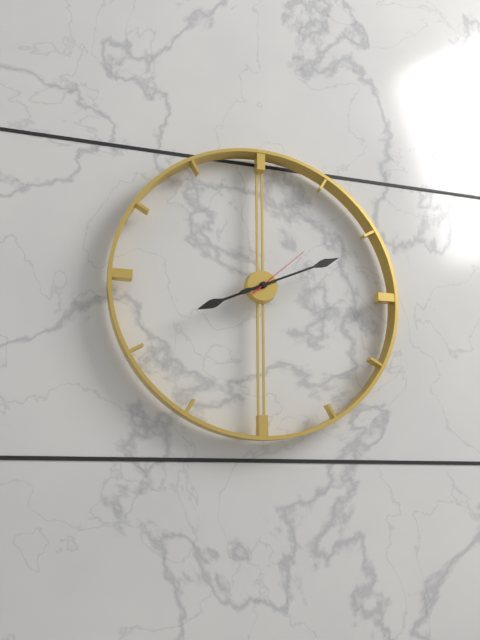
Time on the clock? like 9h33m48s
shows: 8h11m08s
